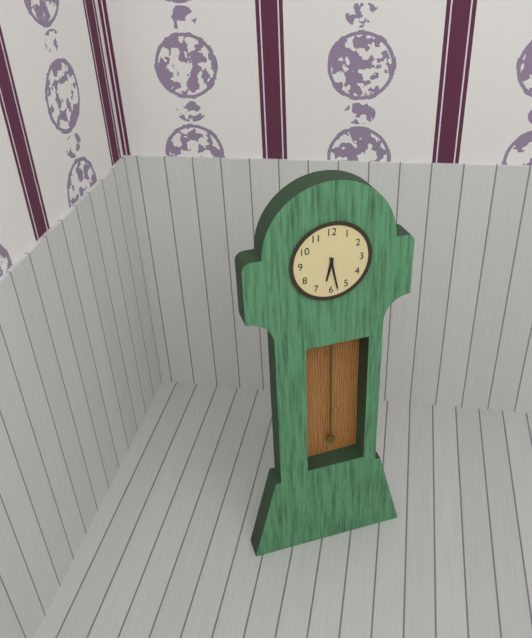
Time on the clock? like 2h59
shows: 6h28
